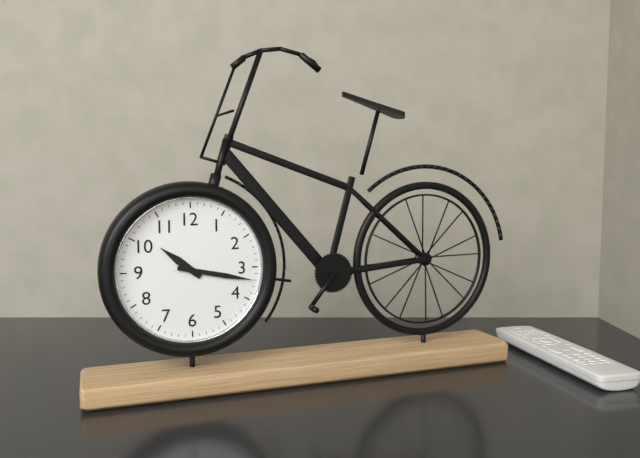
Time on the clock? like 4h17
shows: 10h17
